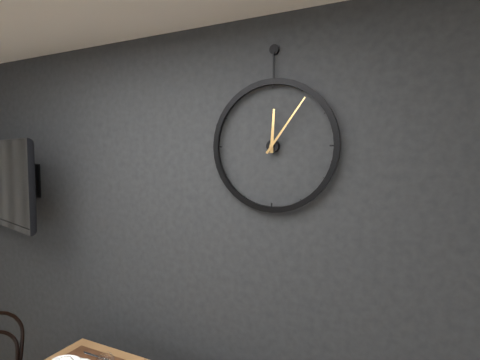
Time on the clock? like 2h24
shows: 12h06
